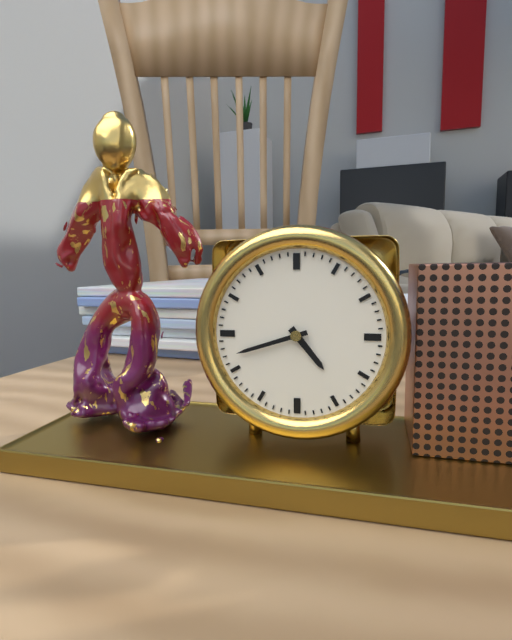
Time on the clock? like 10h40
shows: 4h42
